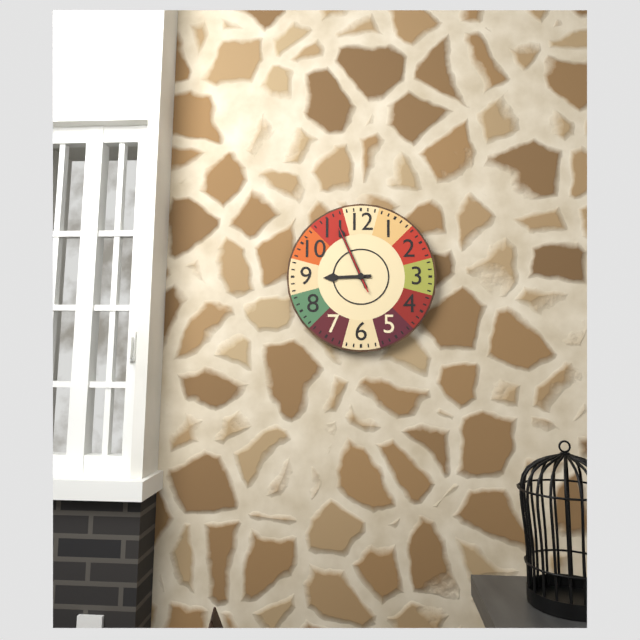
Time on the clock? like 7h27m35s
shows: 8h56m56s
